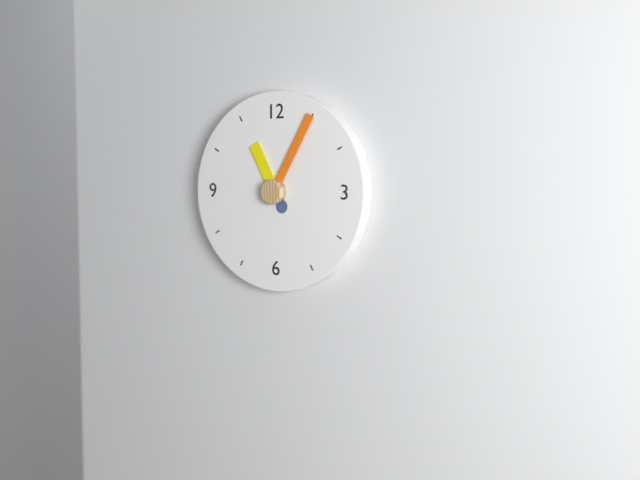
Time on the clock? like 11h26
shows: 11h05
